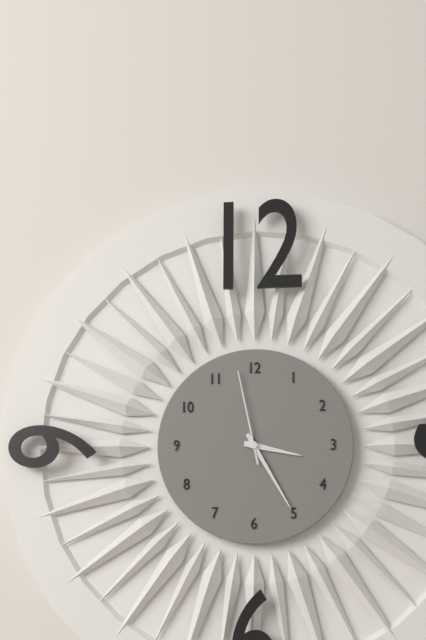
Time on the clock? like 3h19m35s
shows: 3h25m58s
